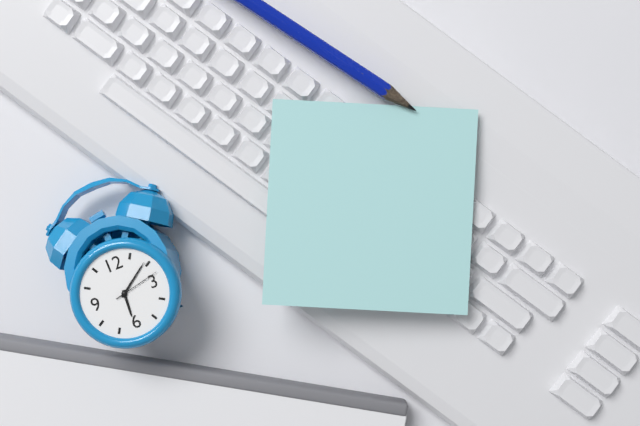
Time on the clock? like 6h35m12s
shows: 6h09m13s
